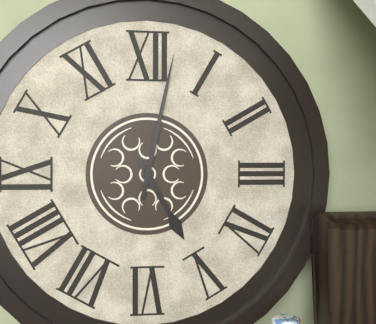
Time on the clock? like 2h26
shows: 5h02
